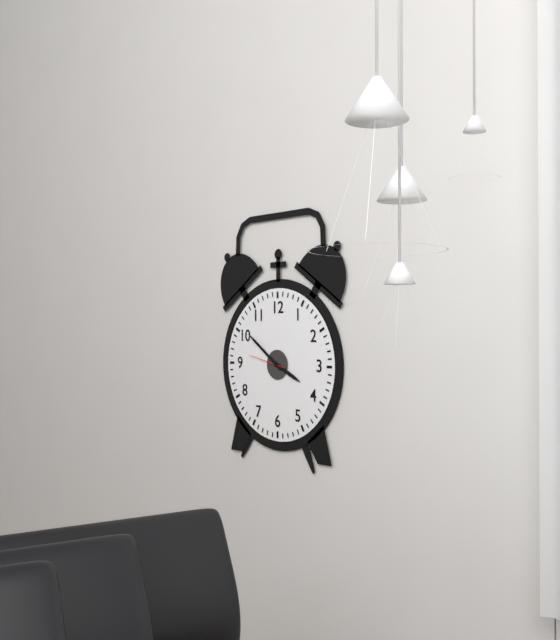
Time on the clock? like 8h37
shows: 3h51
